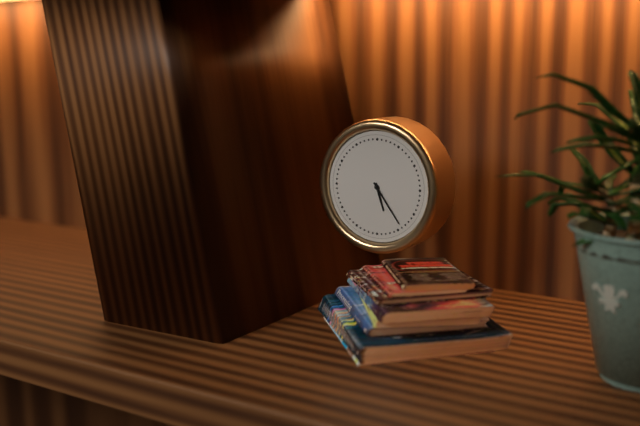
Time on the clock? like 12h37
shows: 5h24
